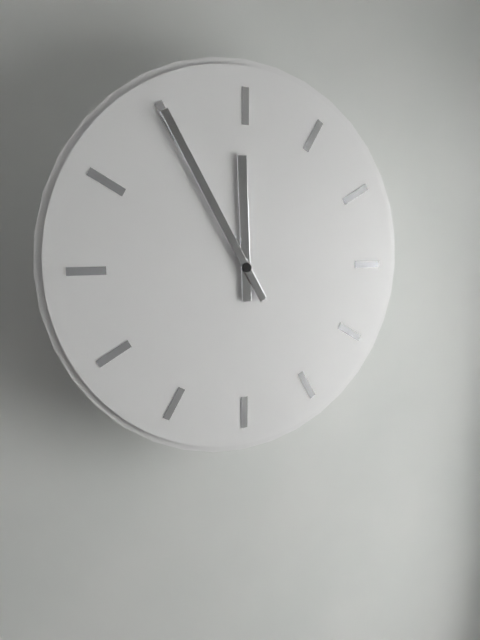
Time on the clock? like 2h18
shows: 11h55
